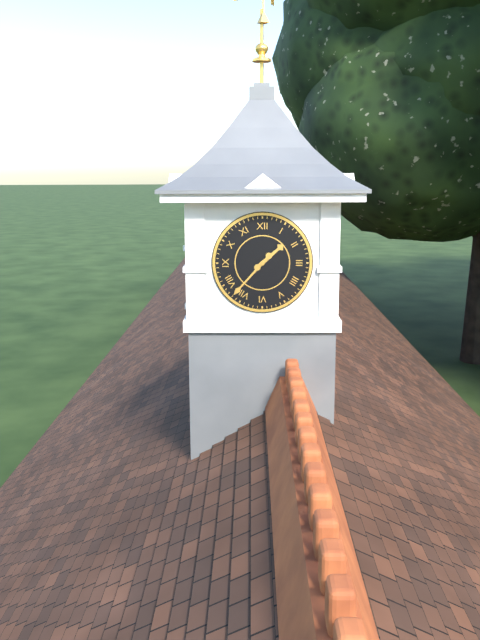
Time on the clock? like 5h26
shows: 1h37
